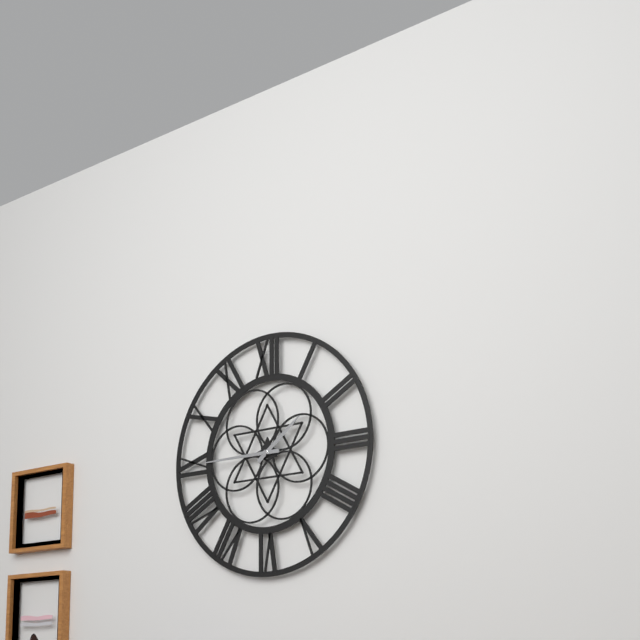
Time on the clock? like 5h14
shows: 1h45
